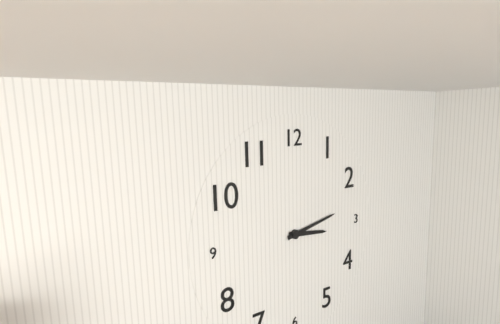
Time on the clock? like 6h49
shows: 3h13
